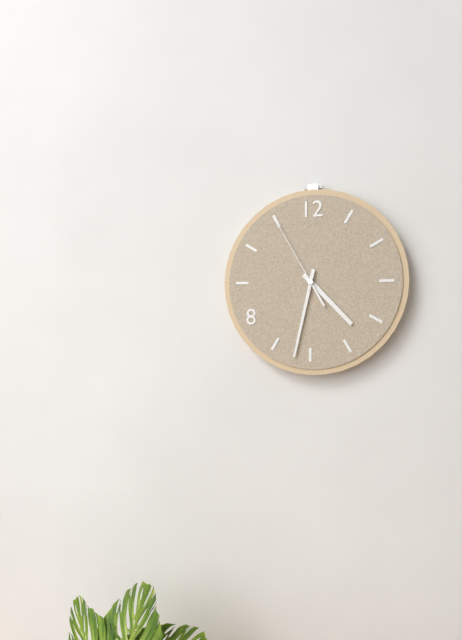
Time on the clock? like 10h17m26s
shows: 4h32m55s
